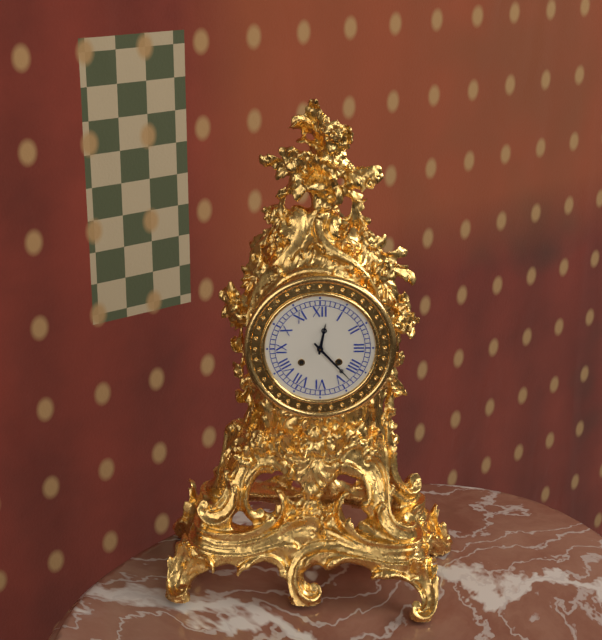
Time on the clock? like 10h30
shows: 12h23
